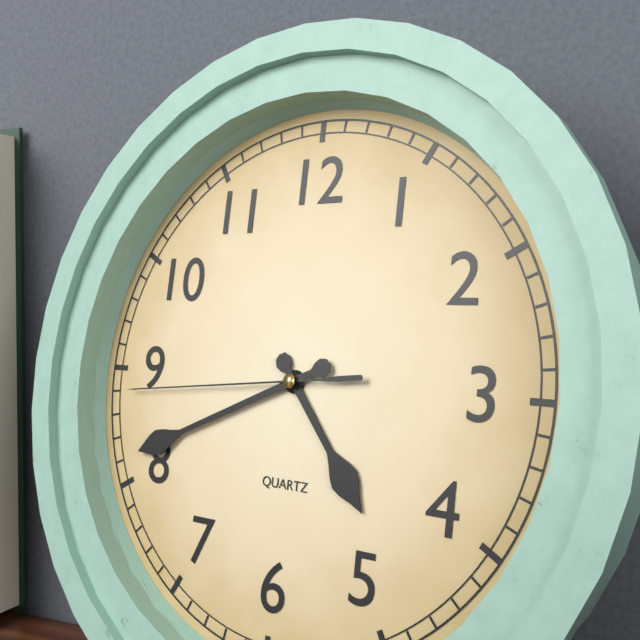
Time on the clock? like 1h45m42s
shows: 4h41m44s
